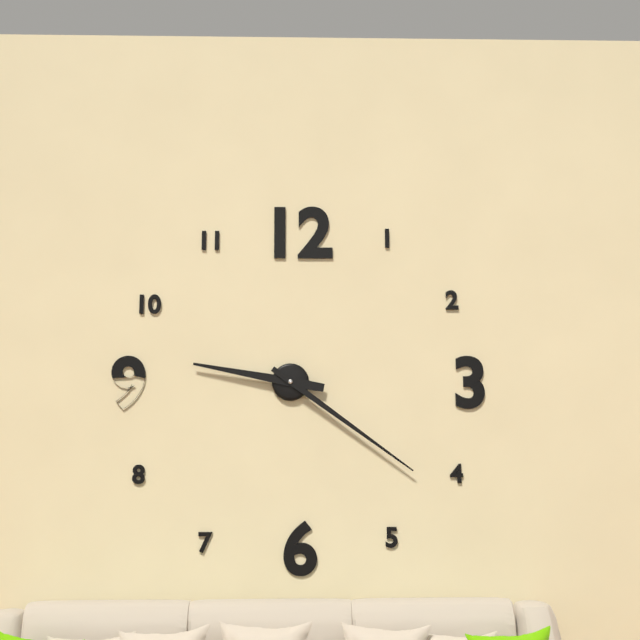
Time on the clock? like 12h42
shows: 9h21
